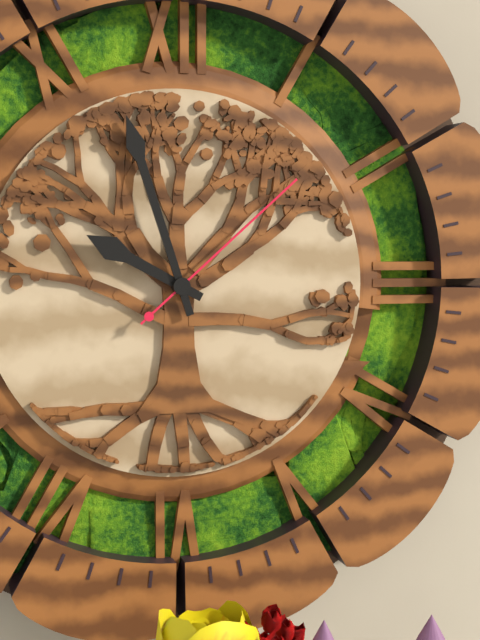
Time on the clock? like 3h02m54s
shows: 9h57m08s
